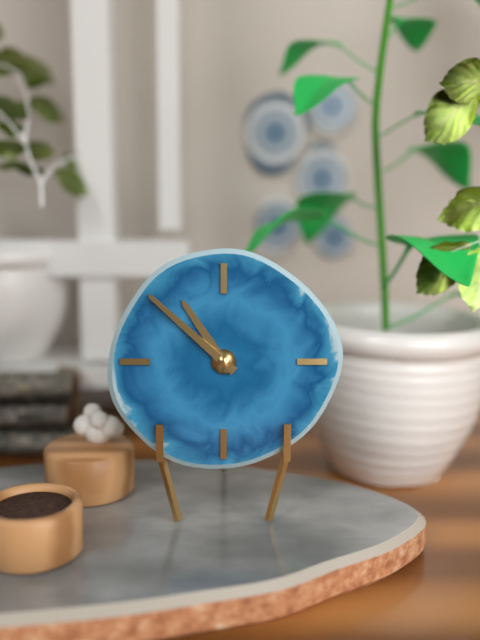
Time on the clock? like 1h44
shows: 10h52
